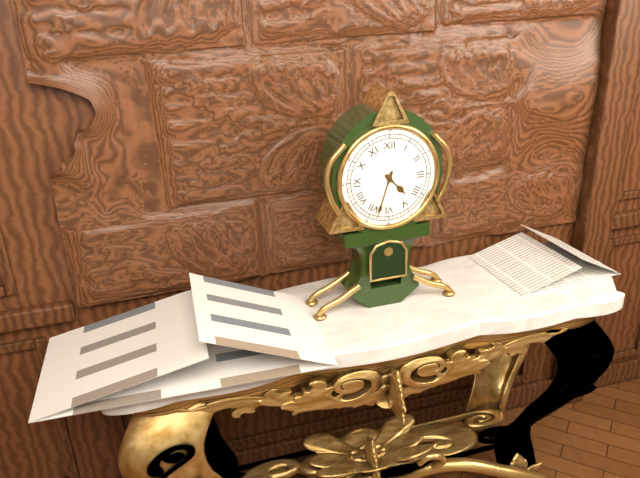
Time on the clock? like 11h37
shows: 4h33
